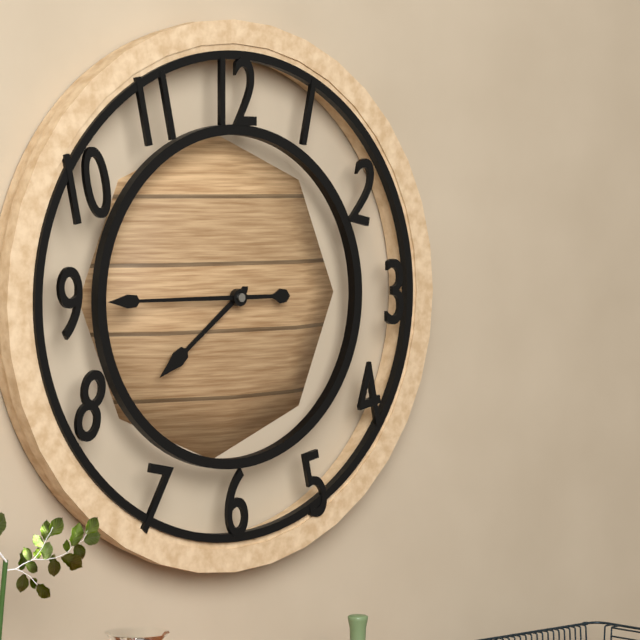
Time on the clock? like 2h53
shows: 7h45
